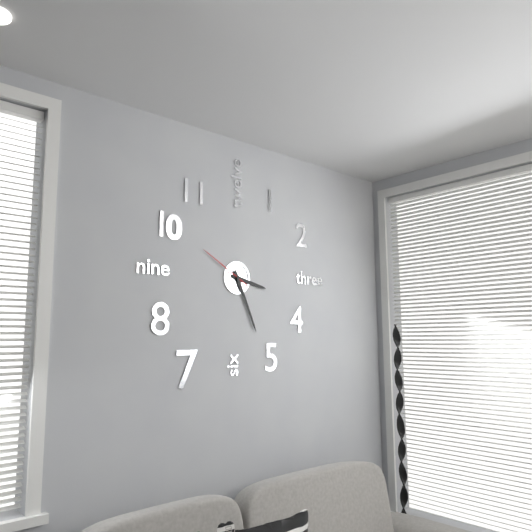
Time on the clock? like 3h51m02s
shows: 3h26m50s
